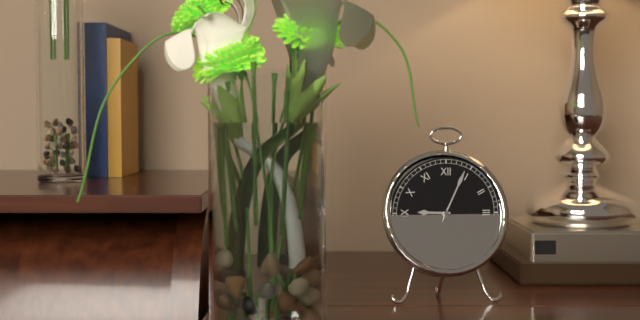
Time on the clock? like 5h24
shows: 9h04
